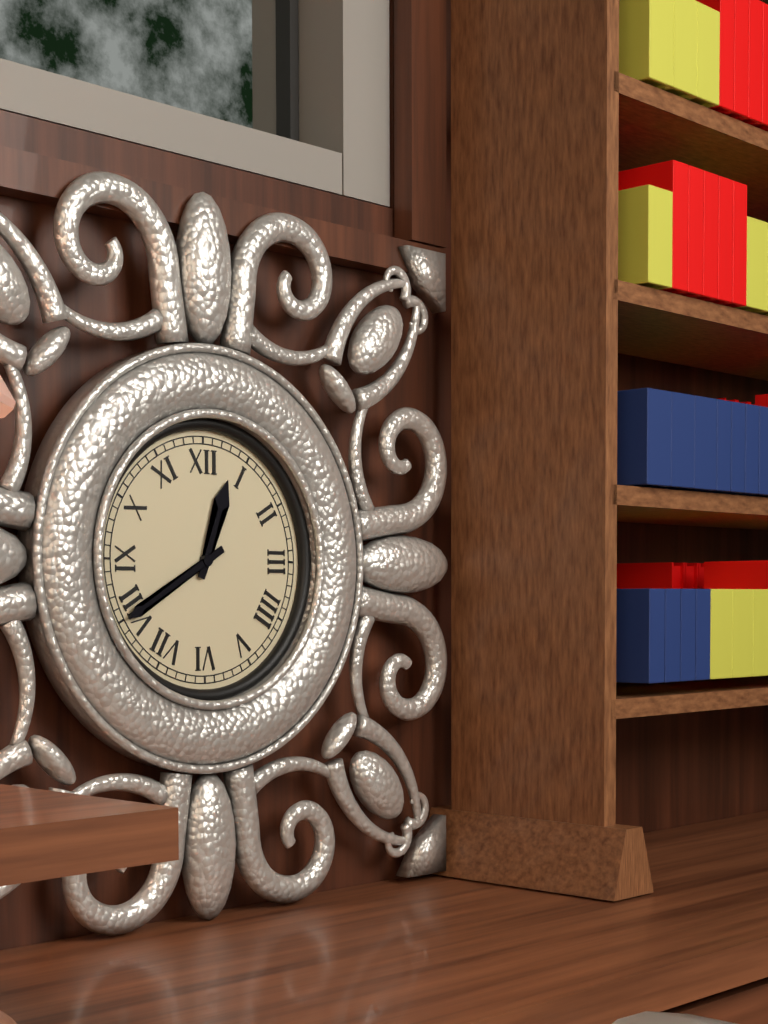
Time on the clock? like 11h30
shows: 12h40
